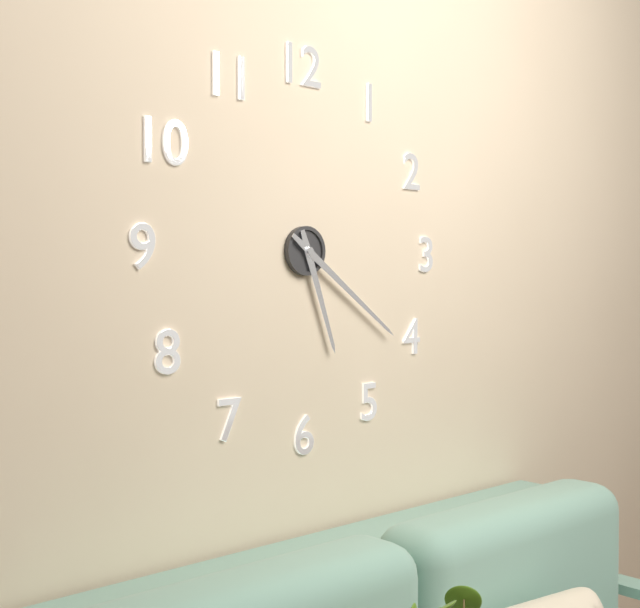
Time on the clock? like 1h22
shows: 5h21
